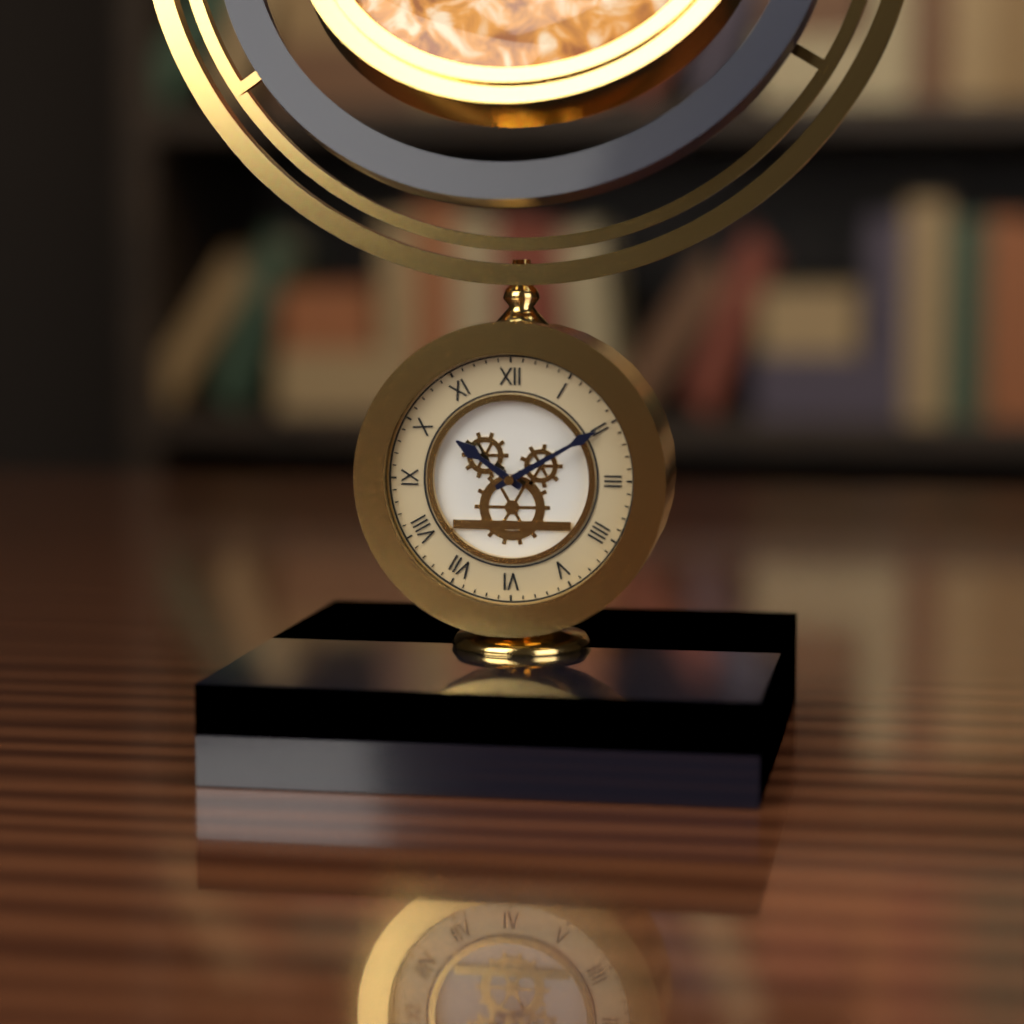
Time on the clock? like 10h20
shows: 10h10
